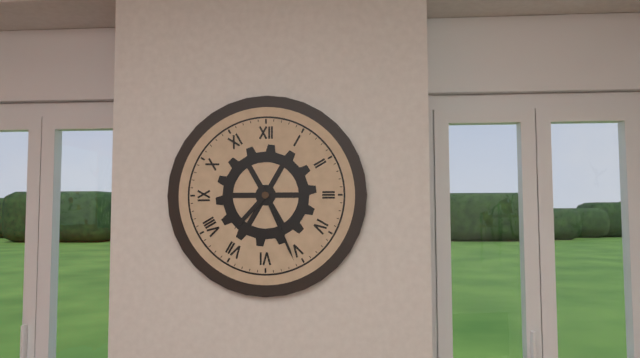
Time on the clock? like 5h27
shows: 7h26
